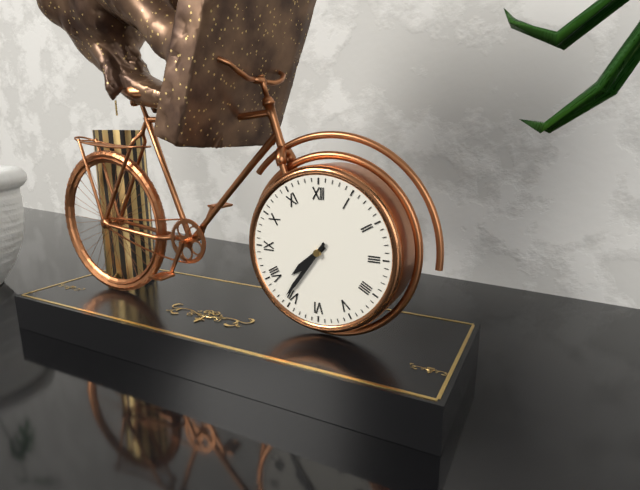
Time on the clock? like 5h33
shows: 7h36
